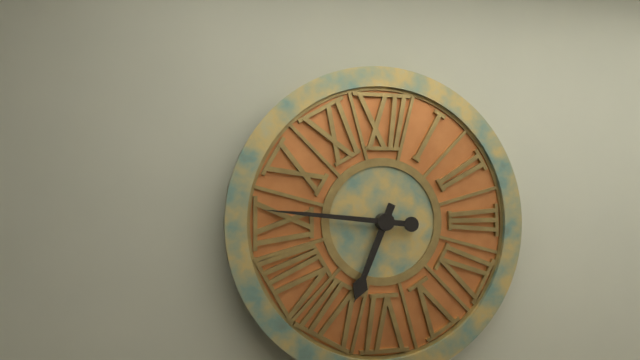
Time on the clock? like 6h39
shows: 6h46
